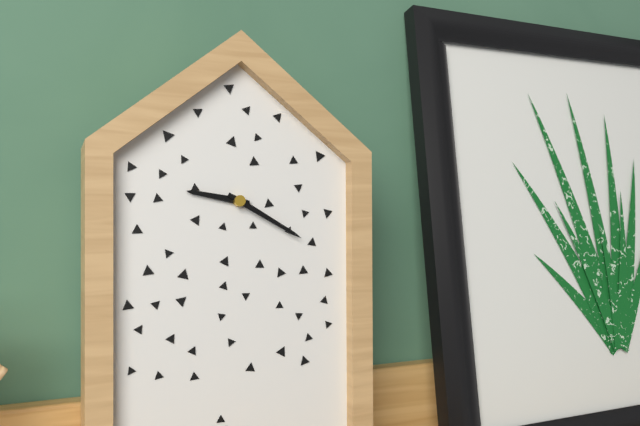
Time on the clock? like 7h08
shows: 9h20
